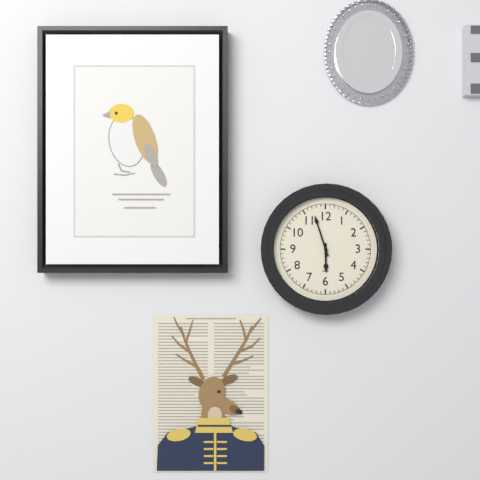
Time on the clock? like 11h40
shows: 5h57
